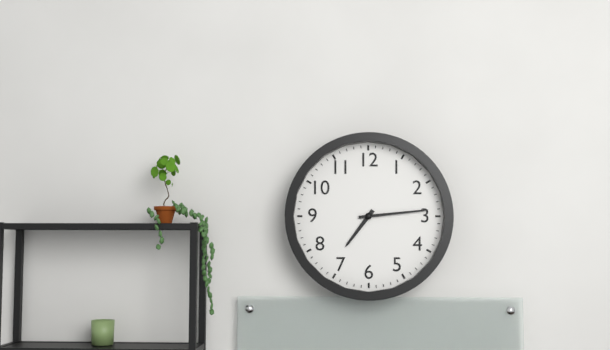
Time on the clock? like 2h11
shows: 7h14
